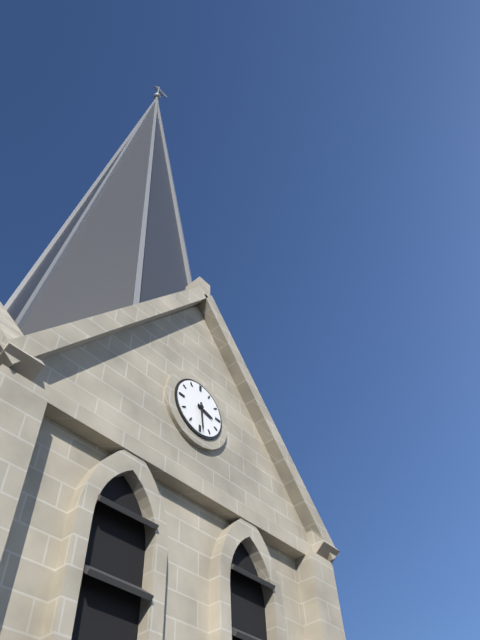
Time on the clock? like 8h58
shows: 3h29
